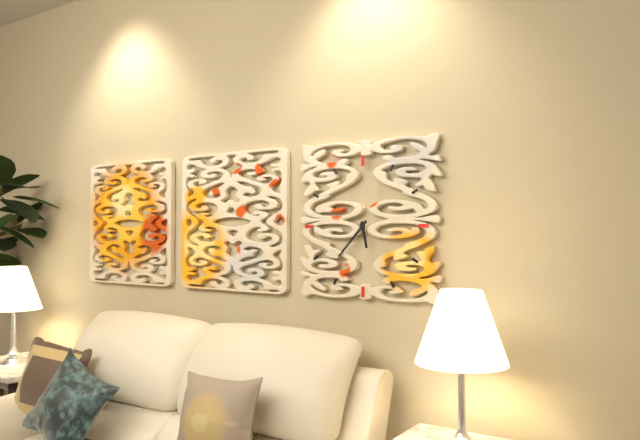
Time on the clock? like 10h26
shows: 5h37
